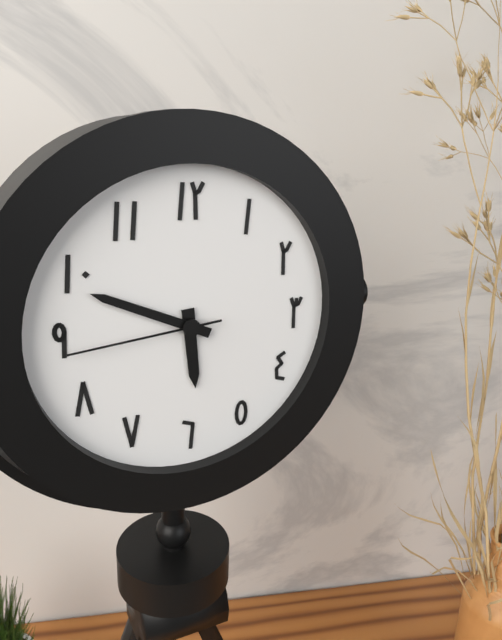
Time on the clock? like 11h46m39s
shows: 5h49m44s
